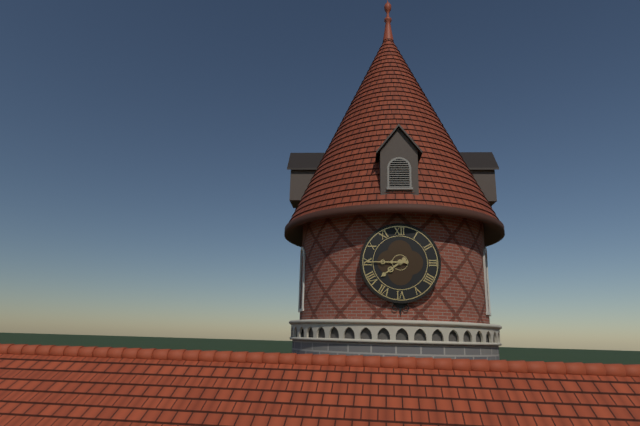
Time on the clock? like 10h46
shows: 7h45
